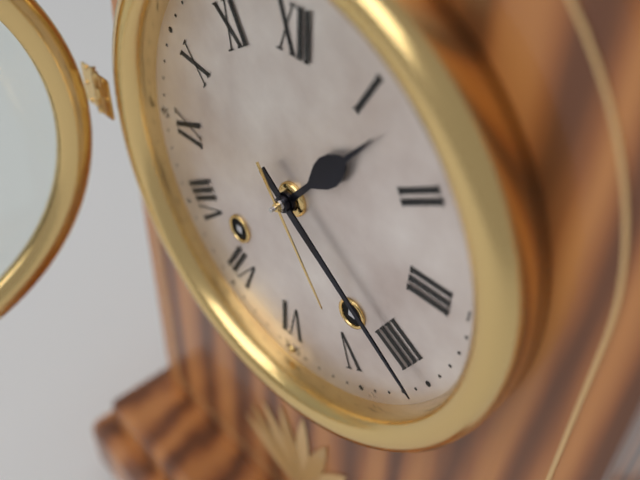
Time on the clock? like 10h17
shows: 1h21
